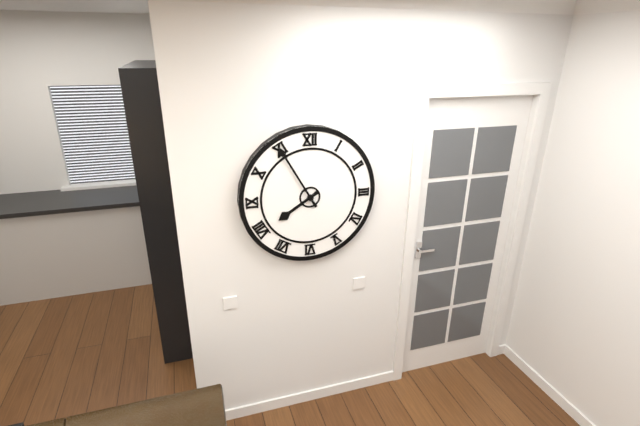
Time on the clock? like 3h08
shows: 7h55
